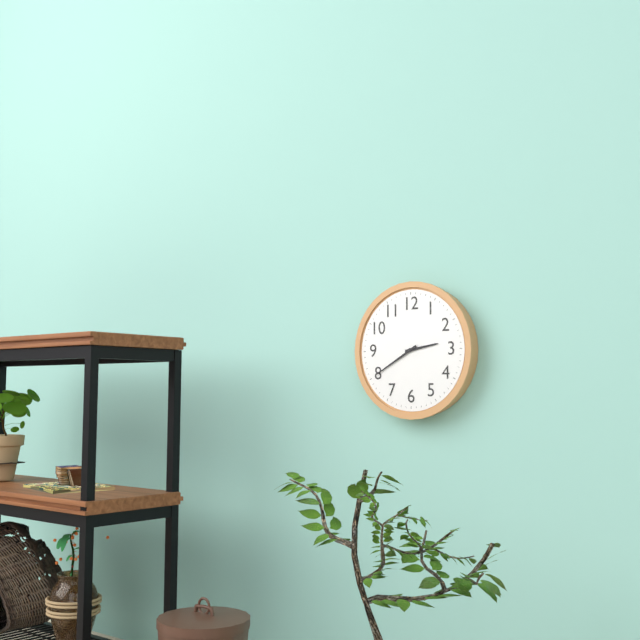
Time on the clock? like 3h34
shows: 2h40
